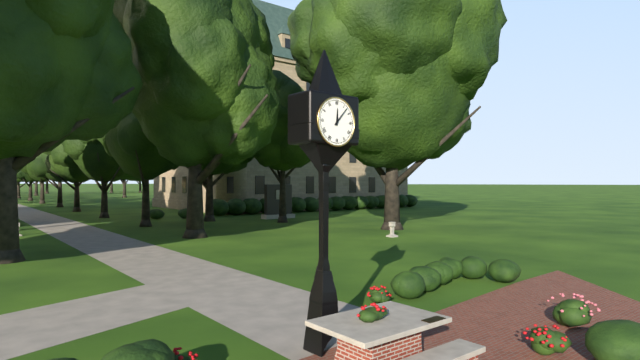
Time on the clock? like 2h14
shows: 12h07
